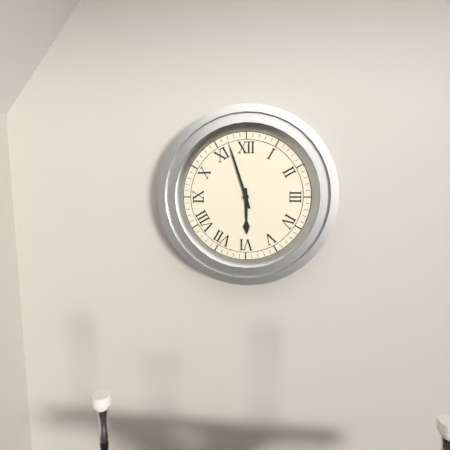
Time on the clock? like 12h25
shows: 5h57
